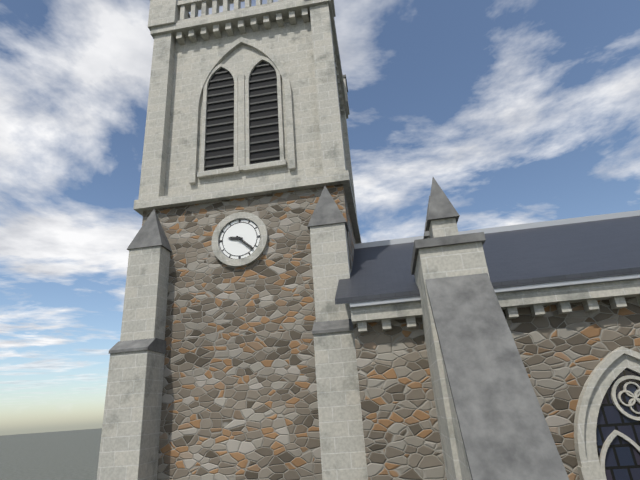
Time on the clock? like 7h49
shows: 9h22
